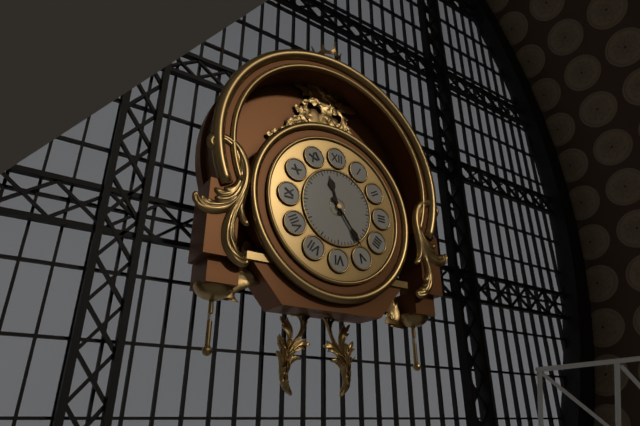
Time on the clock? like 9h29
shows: 11h24
